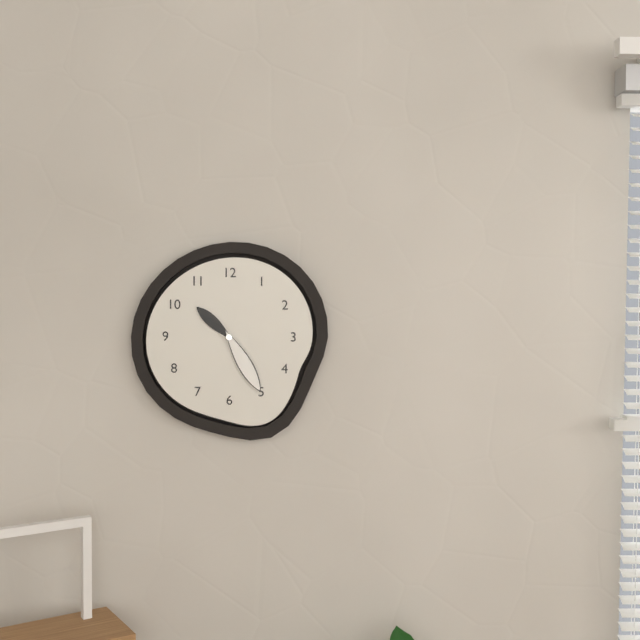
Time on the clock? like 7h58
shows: 10h25
